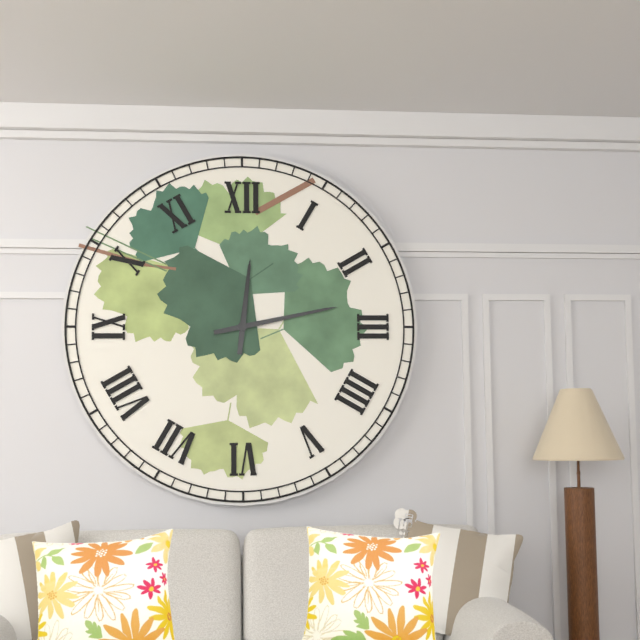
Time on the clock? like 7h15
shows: 12h13
